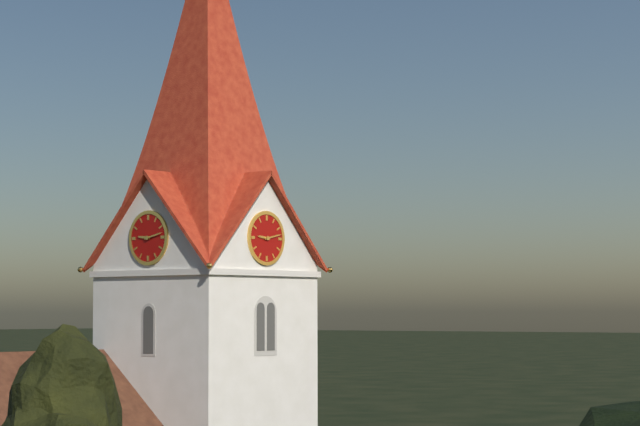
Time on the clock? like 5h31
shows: 9h13
